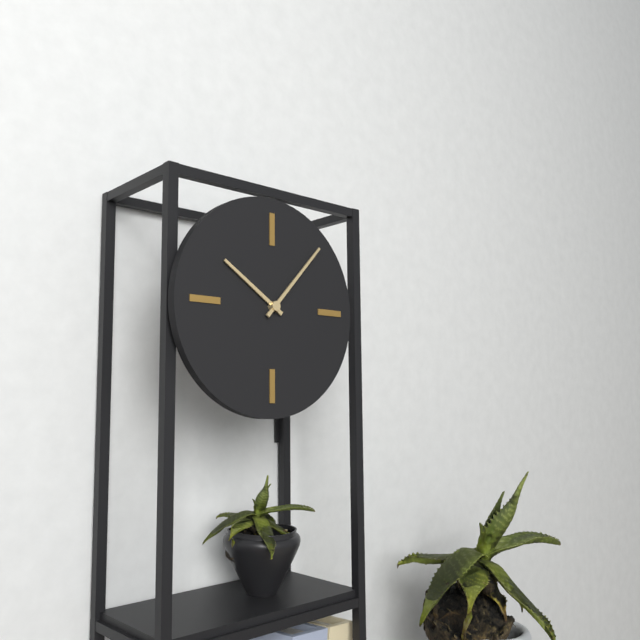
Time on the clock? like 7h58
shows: 10h07
